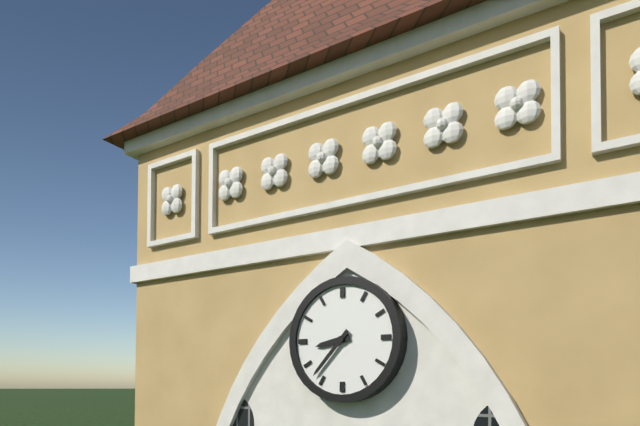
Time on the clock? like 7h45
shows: 8h37
